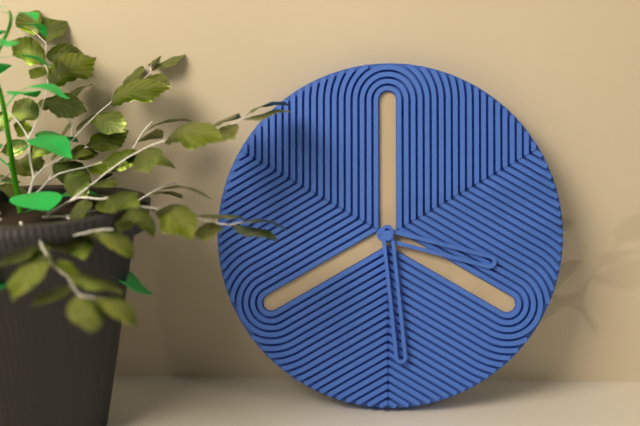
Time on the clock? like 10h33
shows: 3h29
